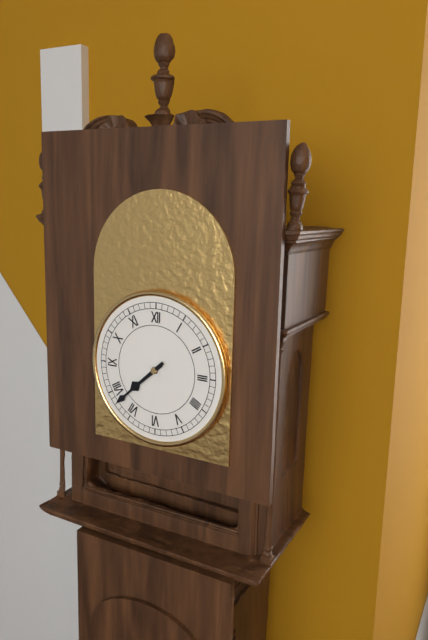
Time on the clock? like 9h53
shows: 7h38
